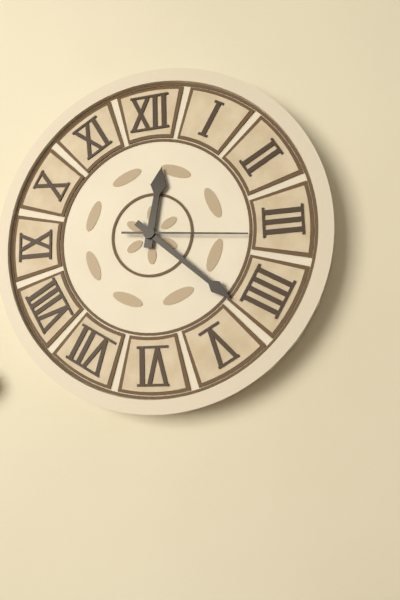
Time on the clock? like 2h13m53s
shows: 12h22m16s
